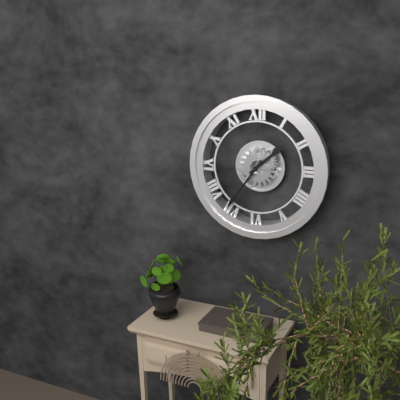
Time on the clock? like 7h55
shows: 1h36
